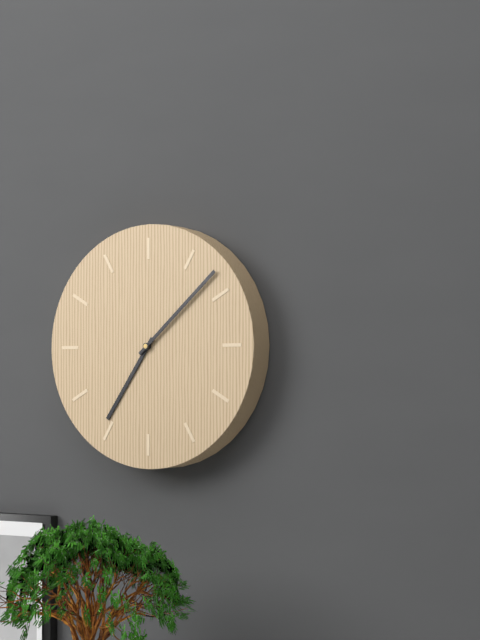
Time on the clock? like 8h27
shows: 7h08
